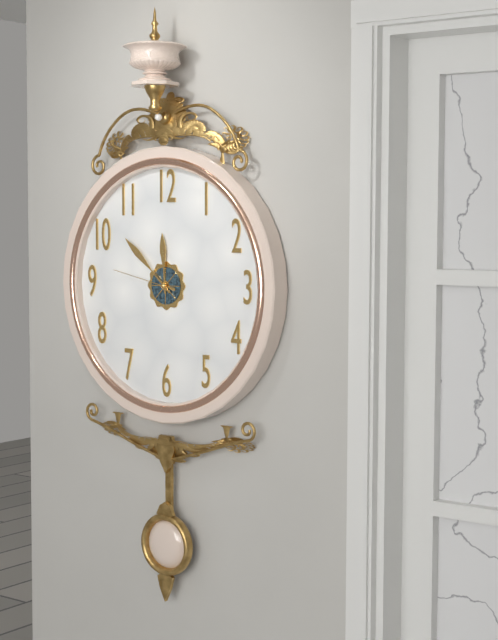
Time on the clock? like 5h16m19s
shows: 11h52m47s
